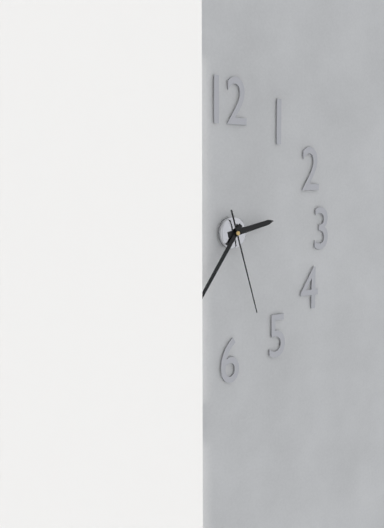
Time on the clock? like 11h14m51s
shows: 2h36m27s
